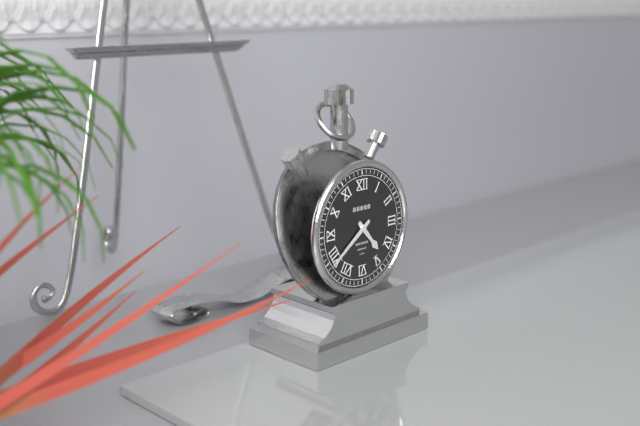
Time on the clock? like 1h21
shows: 4h39
